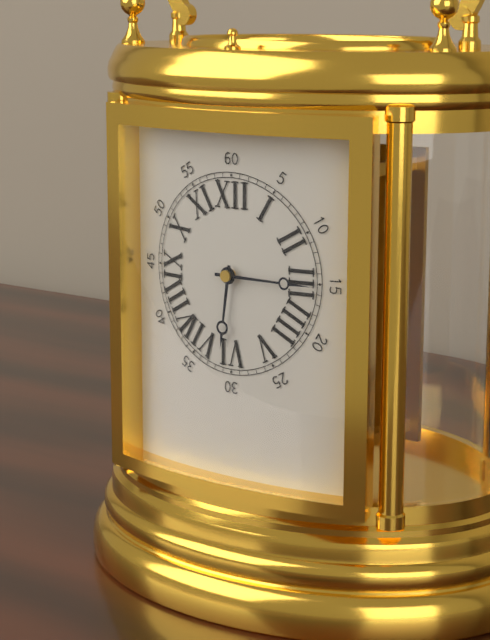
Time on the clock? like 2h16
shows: 6h15
